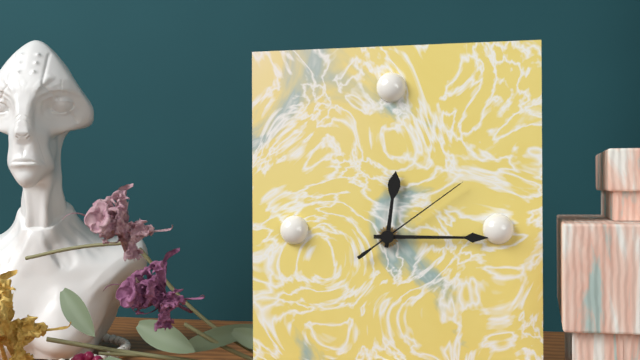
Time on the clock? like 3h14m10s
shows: 12h15m09s
